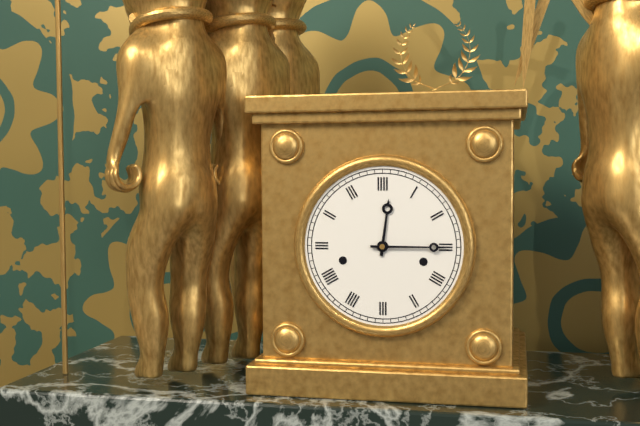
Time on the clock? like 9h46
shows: 12h15
